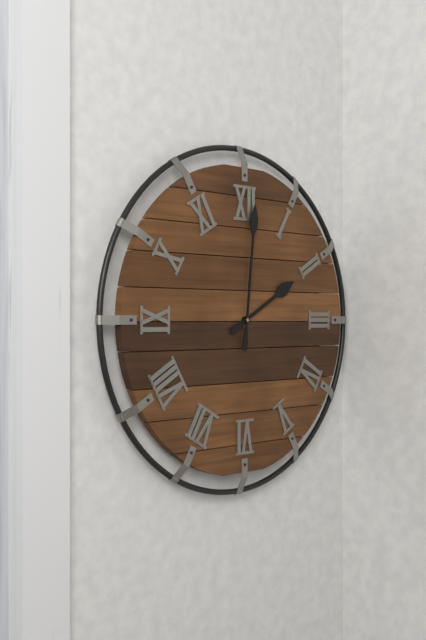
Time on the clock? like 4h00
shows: 2h01
